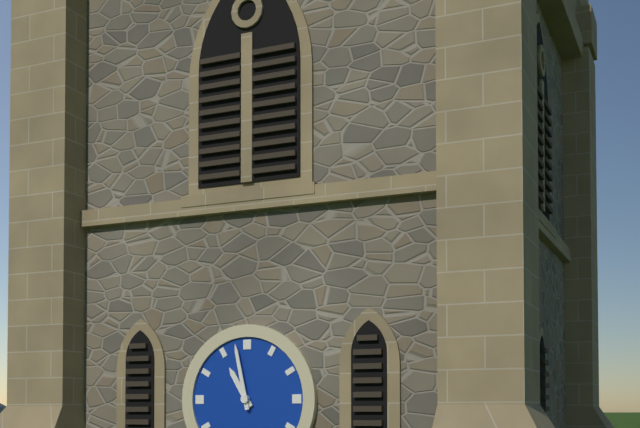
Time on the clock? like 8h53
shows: 10h58
